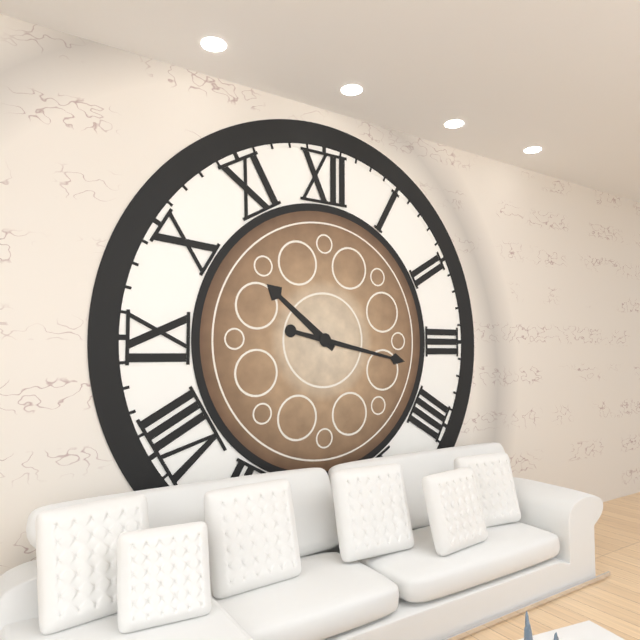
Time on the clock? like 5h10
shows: 10h17
